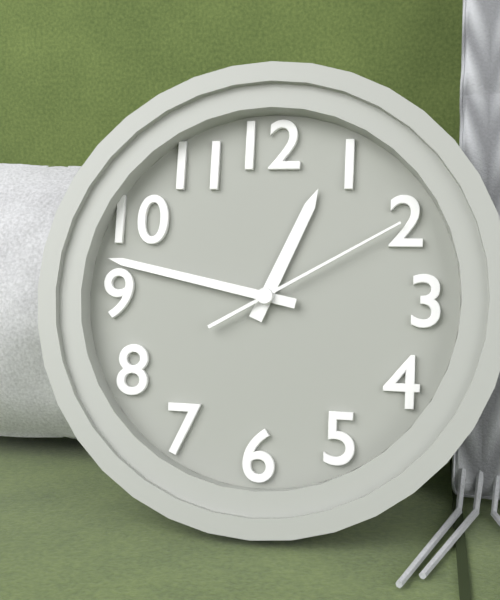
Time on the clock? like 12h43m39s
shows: 12h47m10s
